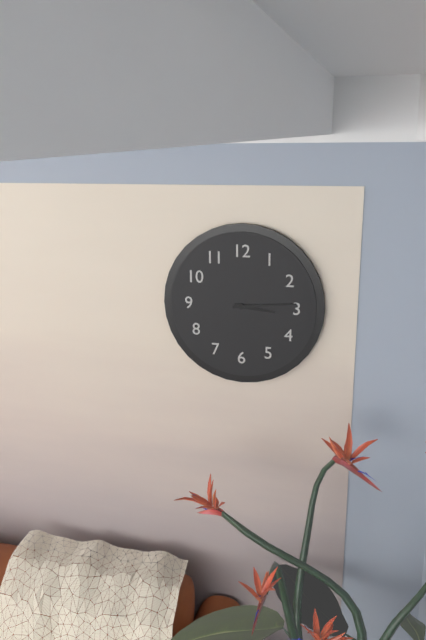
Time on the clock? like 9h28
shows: 3h14
